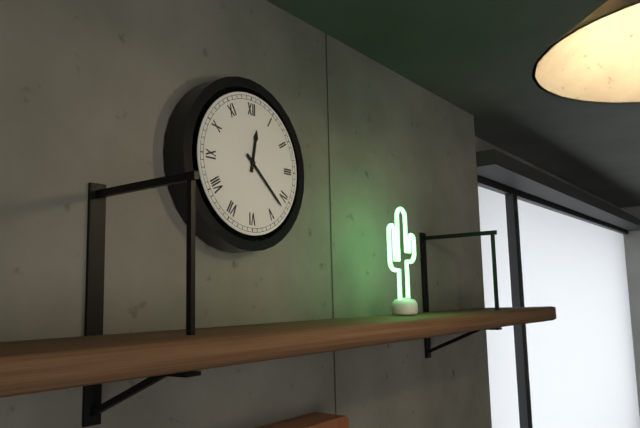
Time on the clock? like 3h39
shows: 12h22
